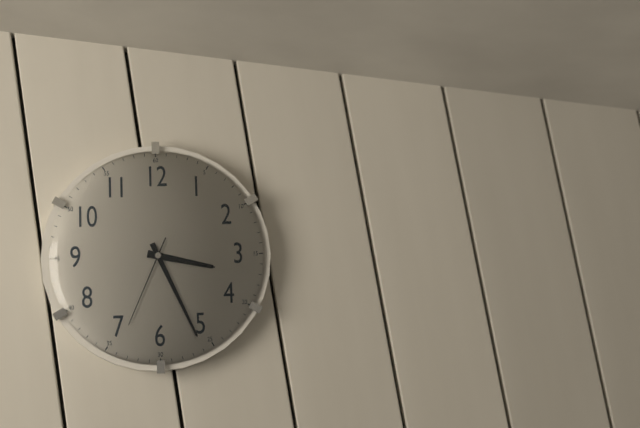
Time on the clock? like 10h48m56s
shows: 3h26m34s
